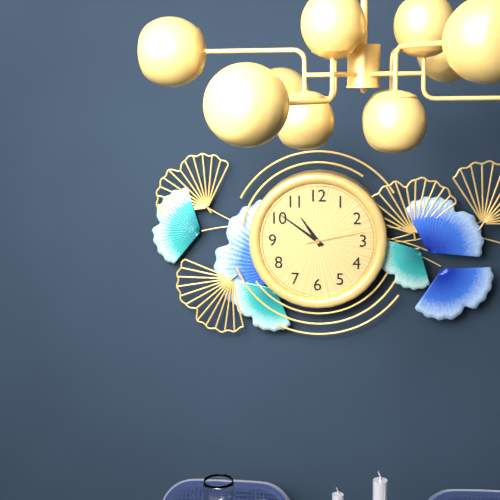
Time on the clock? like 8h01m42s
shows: 10h51m13s
